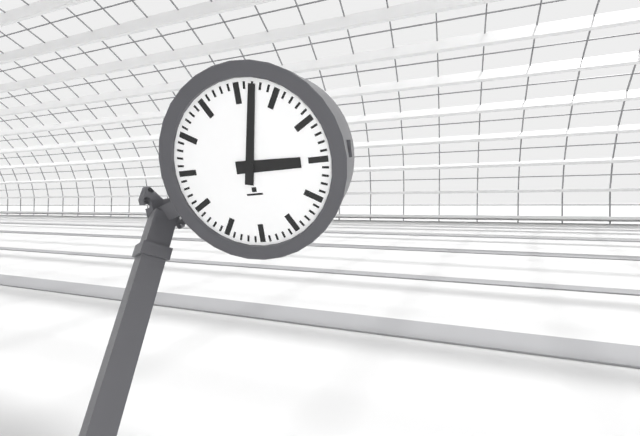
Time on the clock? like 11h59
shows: 3h02
